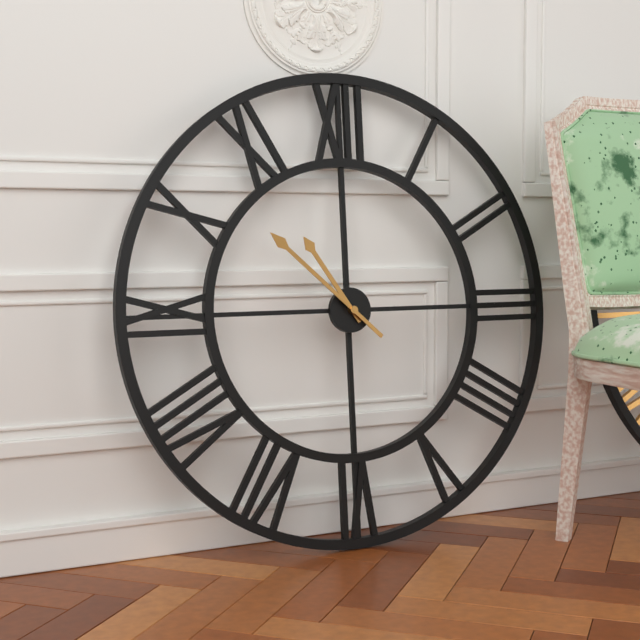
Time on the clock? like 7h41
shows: 10h52
